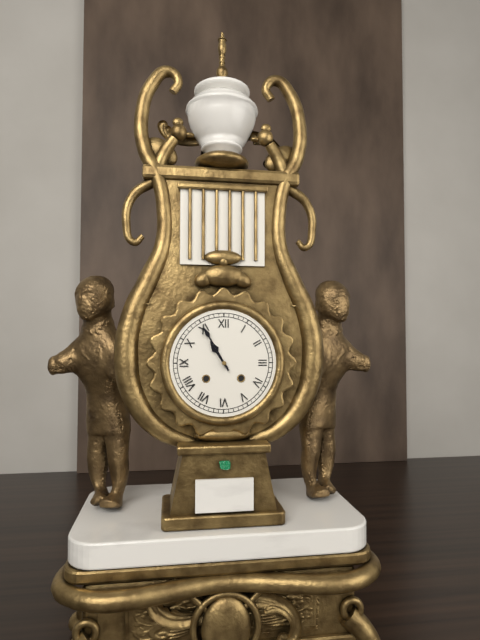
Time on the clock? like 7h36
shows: 10h55
